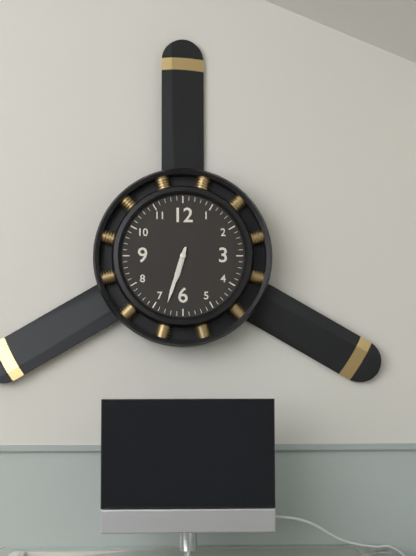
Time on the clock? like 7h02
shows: 6h33
